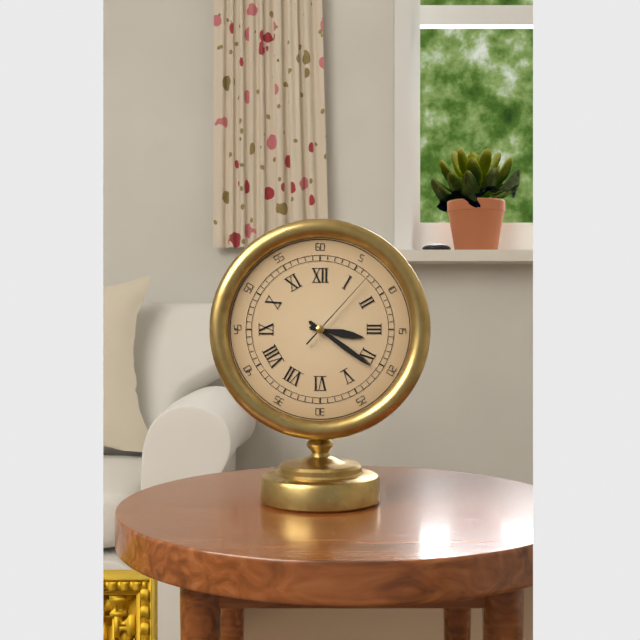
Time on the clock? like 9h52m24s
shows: 3h21m07s
